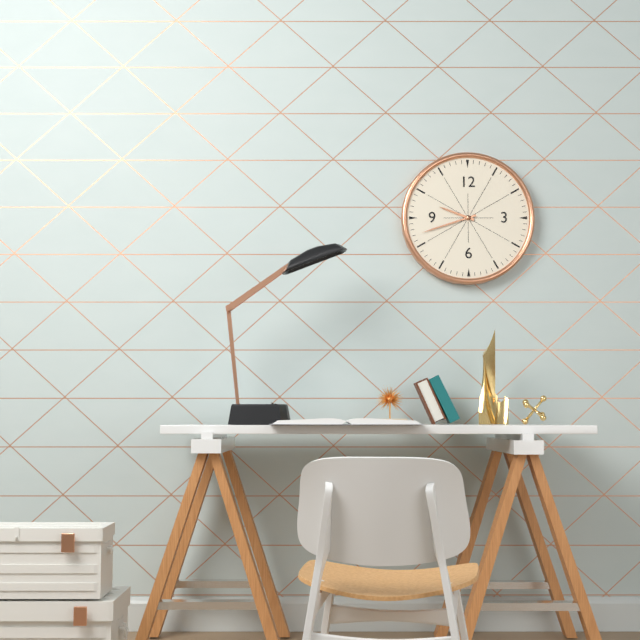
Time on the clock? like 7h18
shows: 9h42
